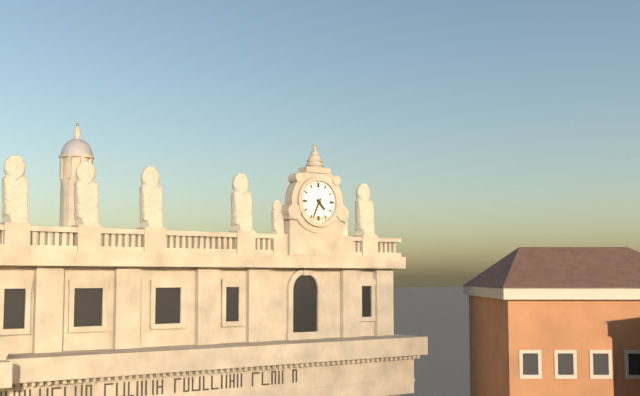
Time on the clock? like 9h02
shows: 4h34
